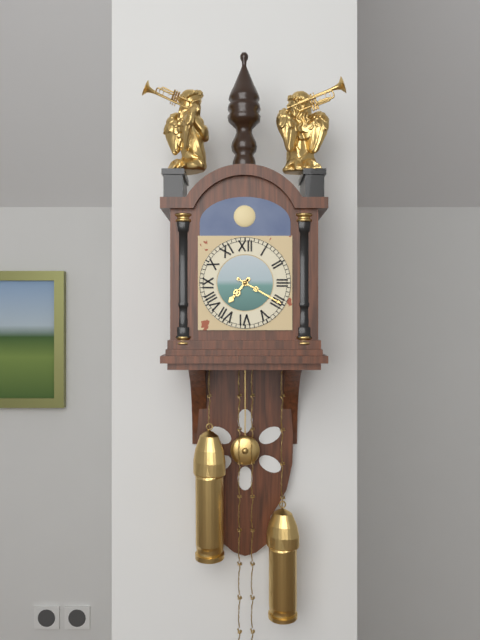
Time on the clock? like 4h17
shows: 7h20
